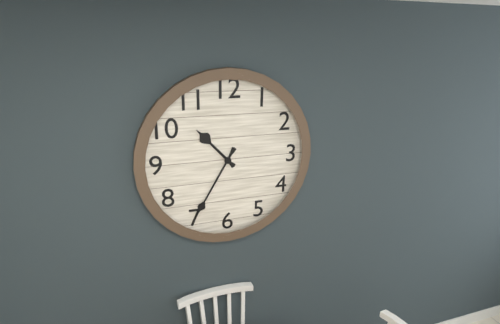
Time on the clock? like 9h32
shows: 10h35
